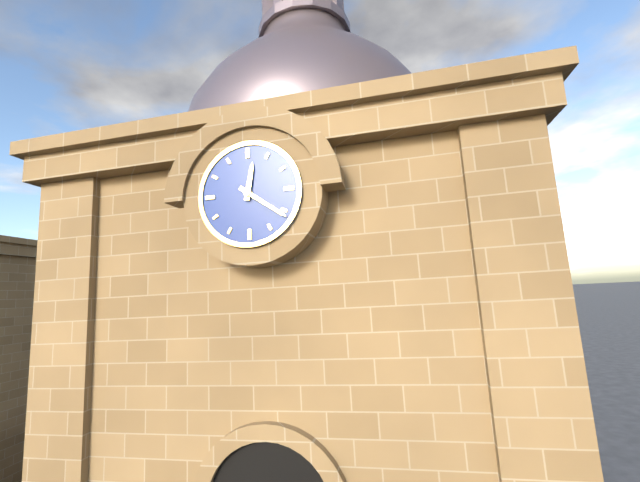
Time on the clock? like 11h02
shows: 12h21
